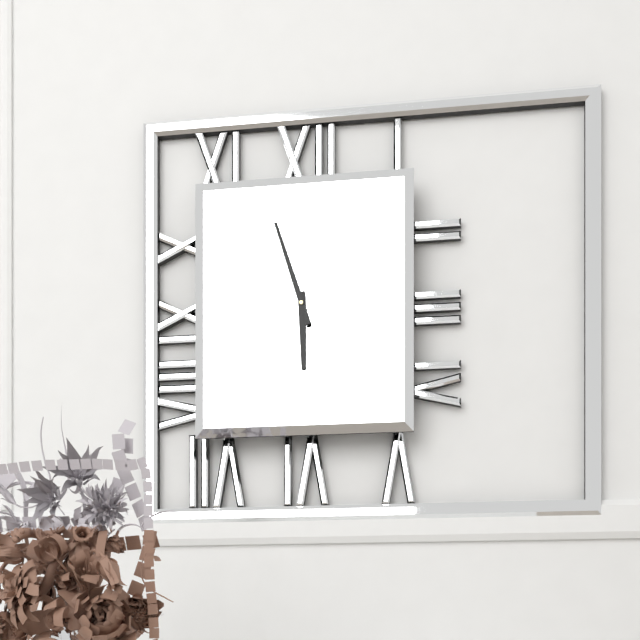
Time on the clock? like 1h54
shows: 5h57
